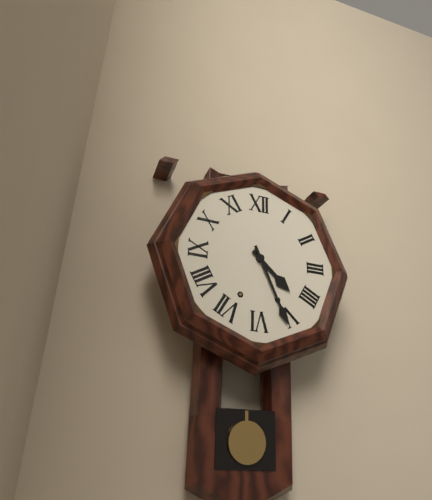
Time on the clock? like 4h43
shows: 4h26
